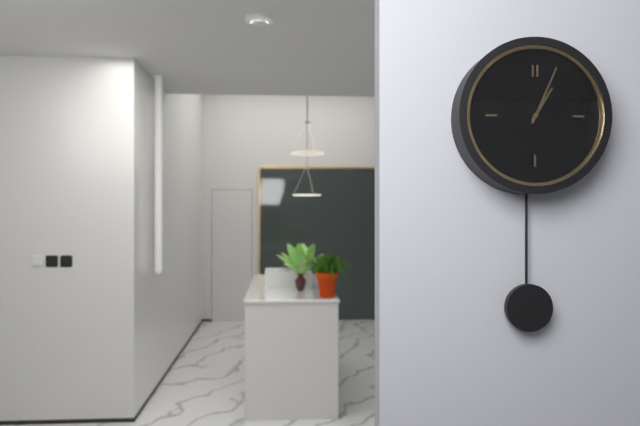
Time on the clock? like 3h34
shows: 1h04
